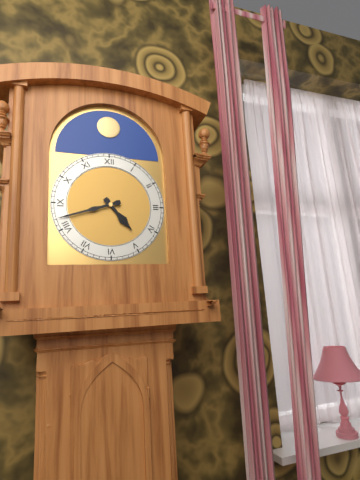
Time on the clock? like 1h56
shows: 4h42
